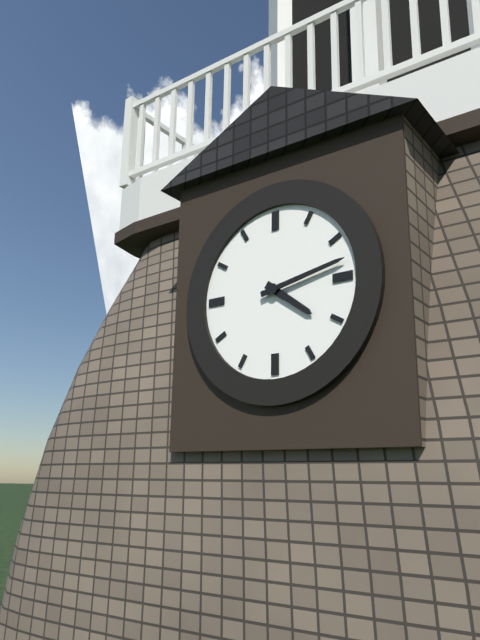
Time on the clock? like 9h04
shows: 4h13
